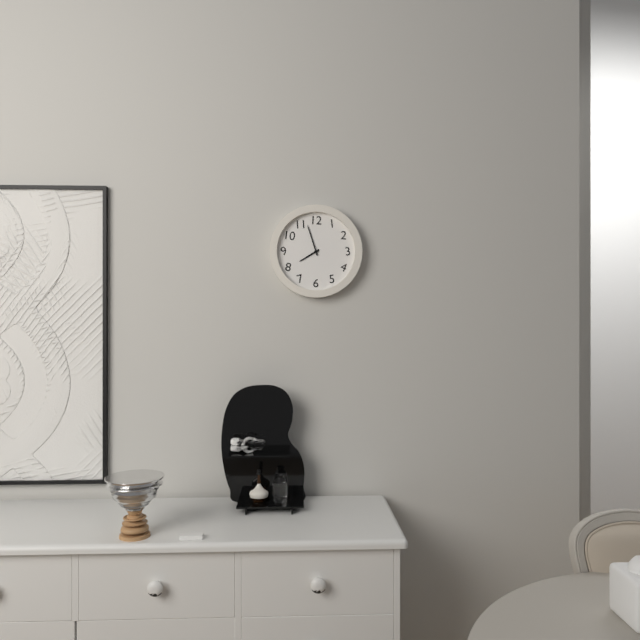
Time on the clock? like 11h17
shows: 7h57
